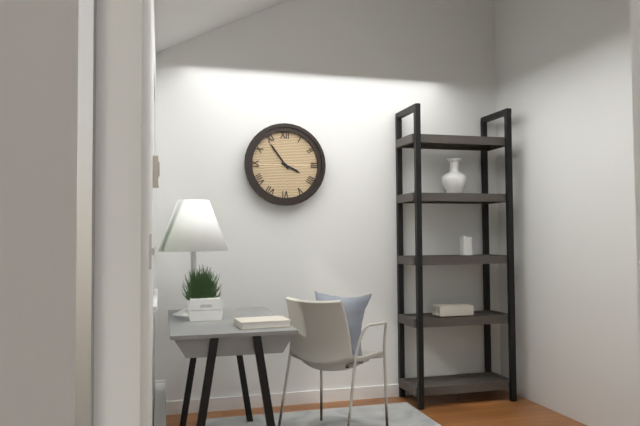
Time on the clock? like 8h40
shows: 3h54
